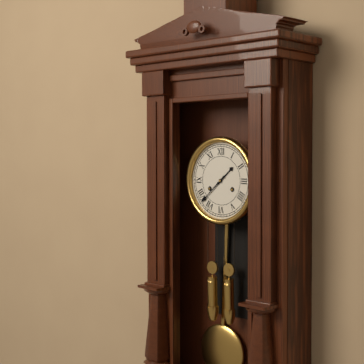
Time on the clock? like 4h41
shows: 1h38
